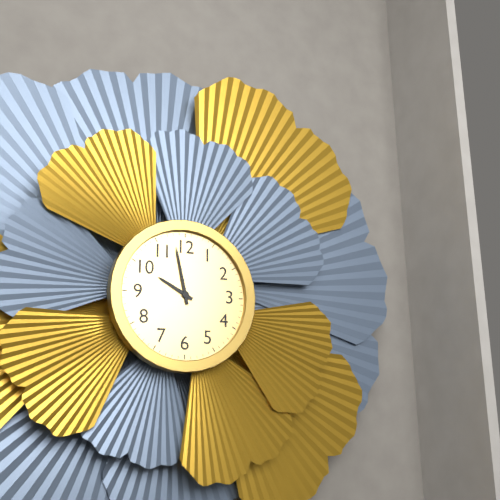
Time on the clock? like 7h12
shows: 9h58
